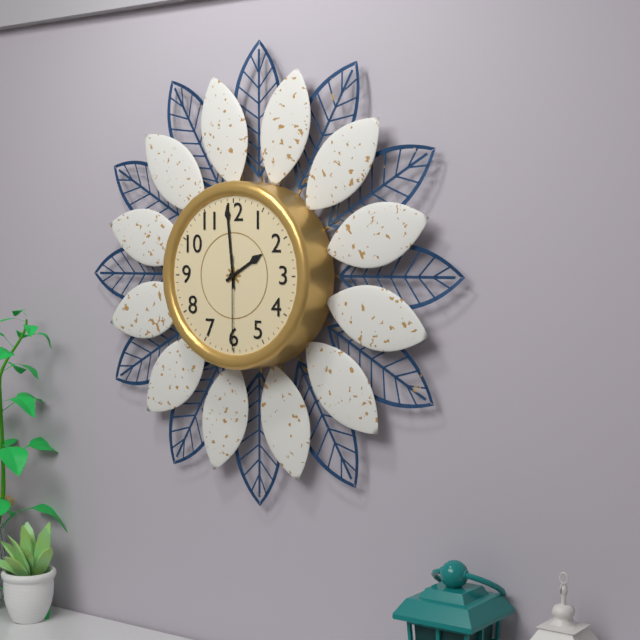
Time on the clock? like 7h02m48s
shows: 1h59m30s
